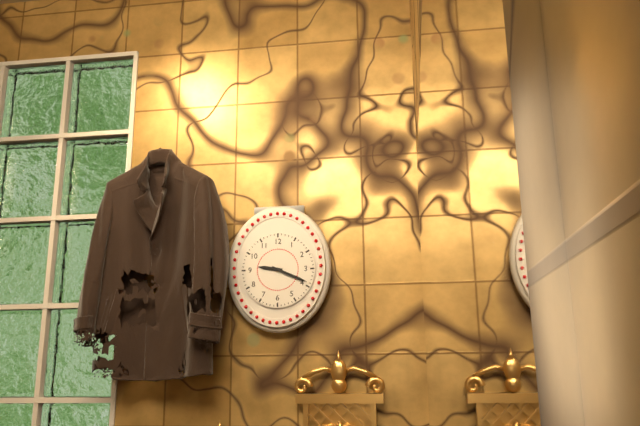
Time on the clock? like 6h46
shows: 9h19
